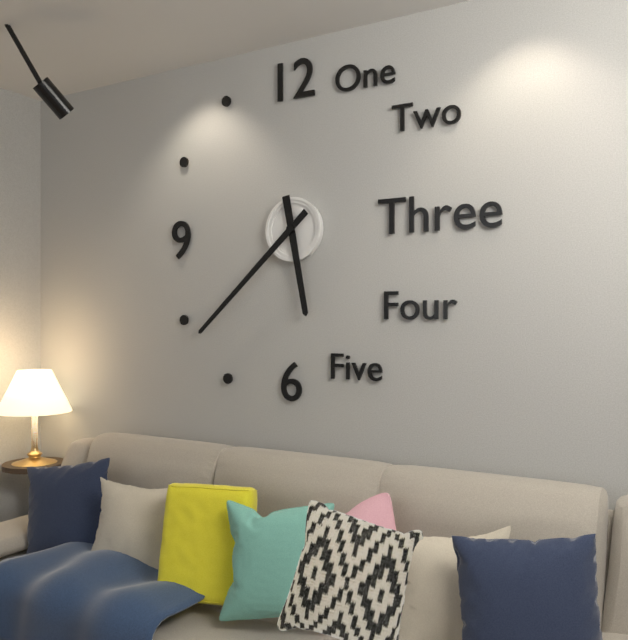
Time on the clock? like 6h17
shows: 5h38
